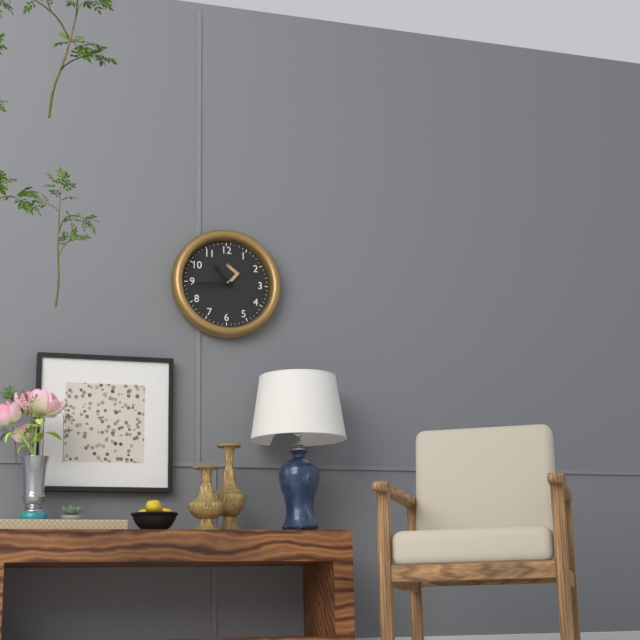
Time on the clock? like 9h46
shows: 10h44
